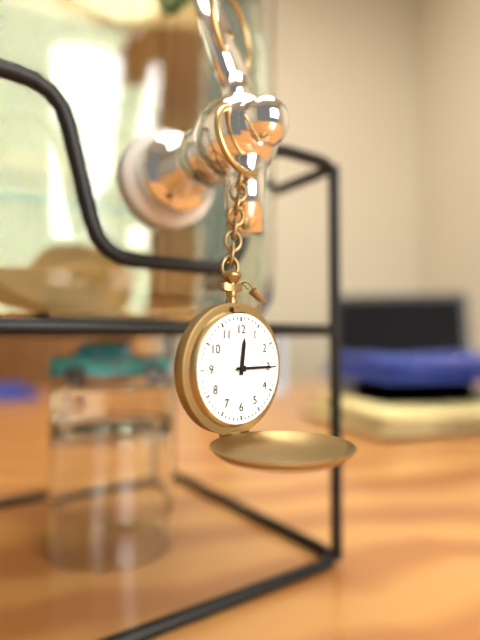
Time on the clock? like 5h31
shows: 12h15
